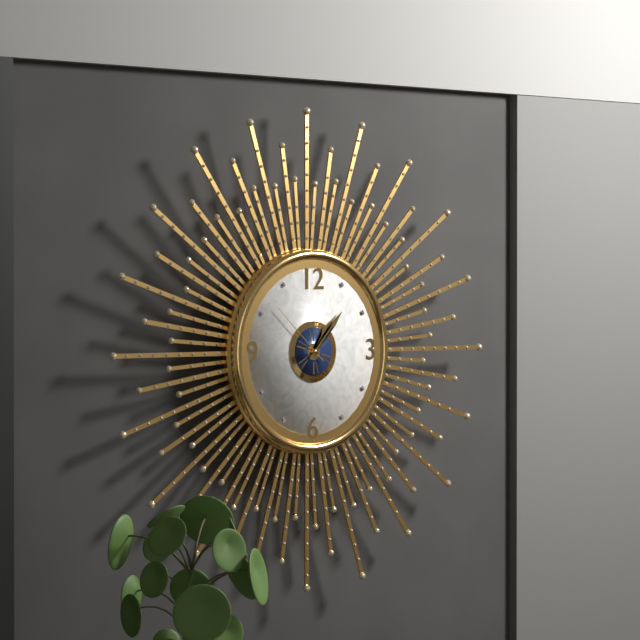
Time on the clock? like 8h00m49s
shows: 1h07m52s
